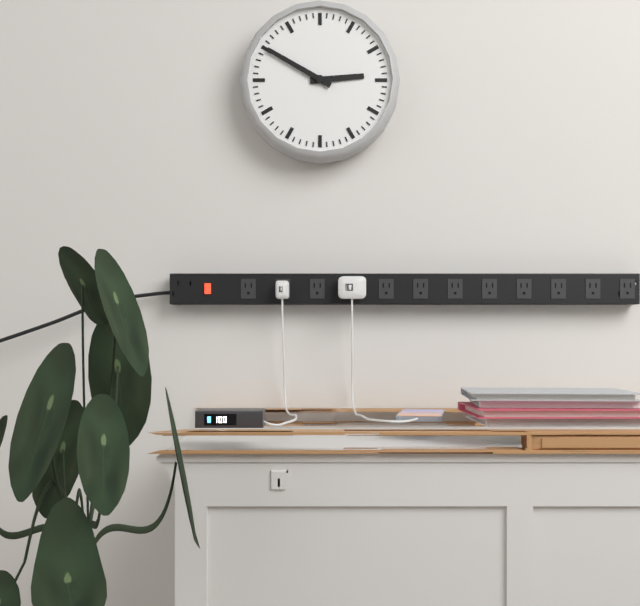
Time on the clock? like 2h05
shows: 2h50
